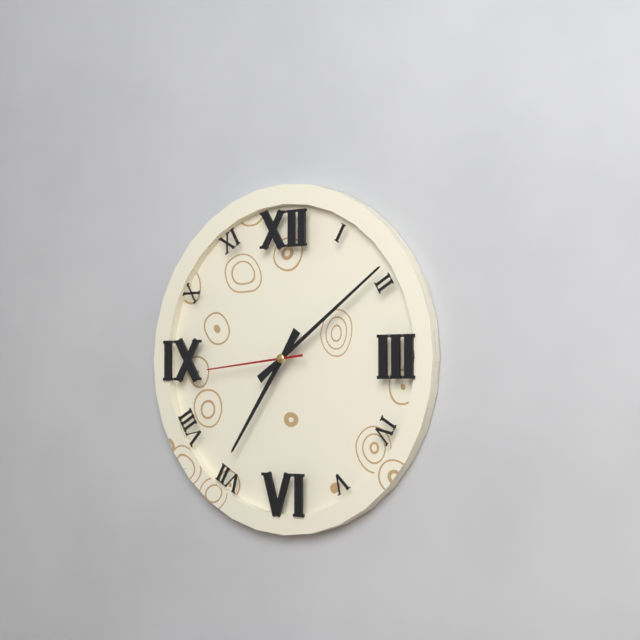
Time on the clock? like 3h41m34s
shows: 7h09m44s
